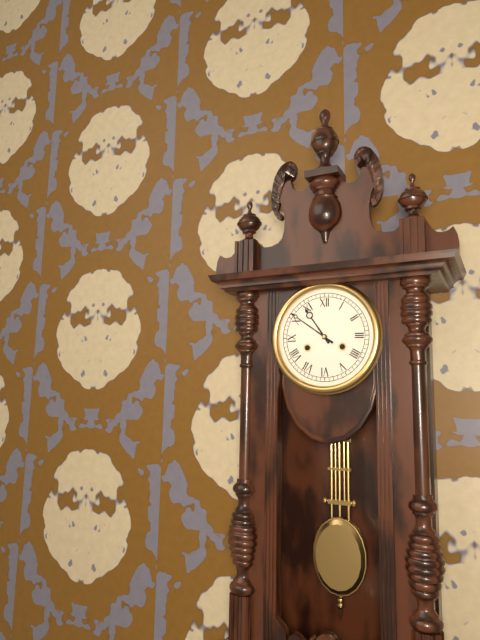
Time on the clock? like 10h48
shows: 10h51
